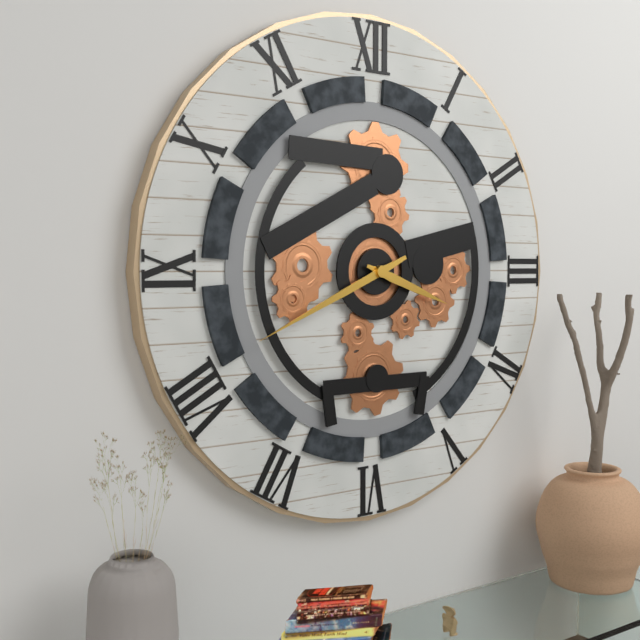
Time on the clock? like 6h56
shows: 3h41
